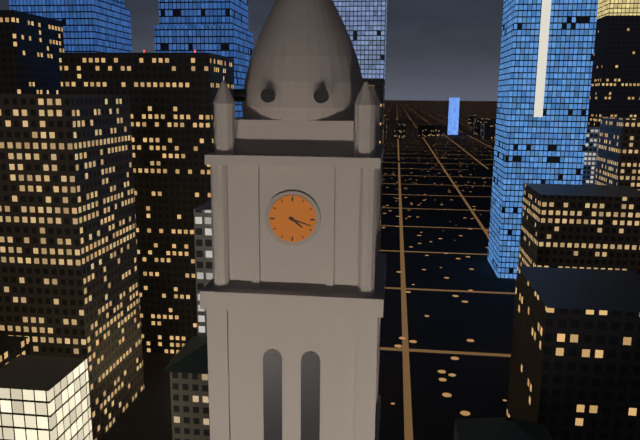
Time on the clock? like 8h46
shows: 4h18
